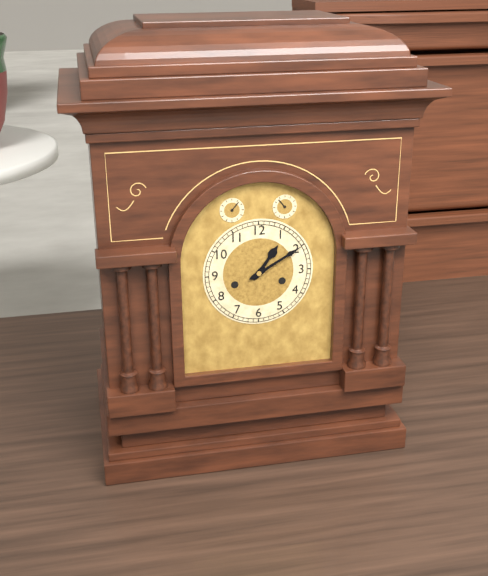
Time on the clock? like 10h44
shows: 1h10
